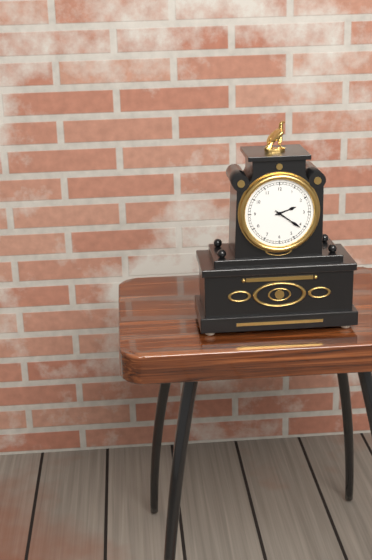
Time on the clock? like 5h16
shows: 2h21
